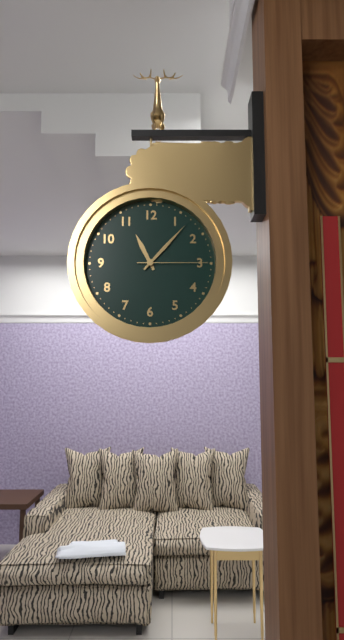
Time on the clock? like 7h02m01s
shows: 11h07m15s
